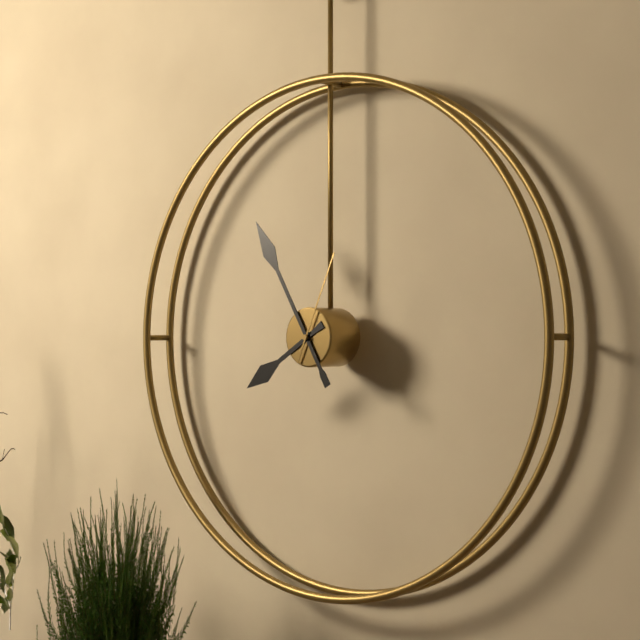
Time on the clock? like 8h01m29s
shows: 7h55m04s
